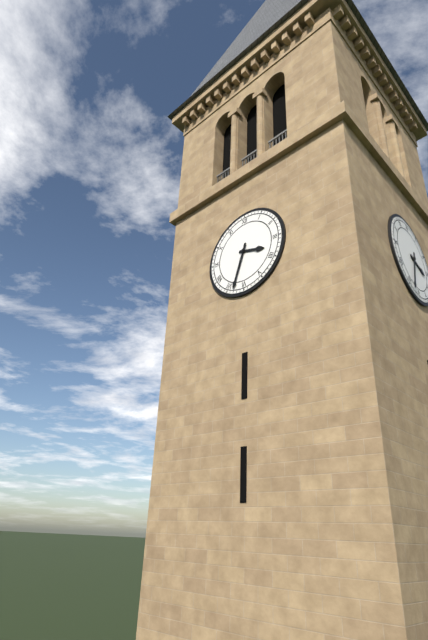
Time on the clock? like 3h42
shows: 3h33
